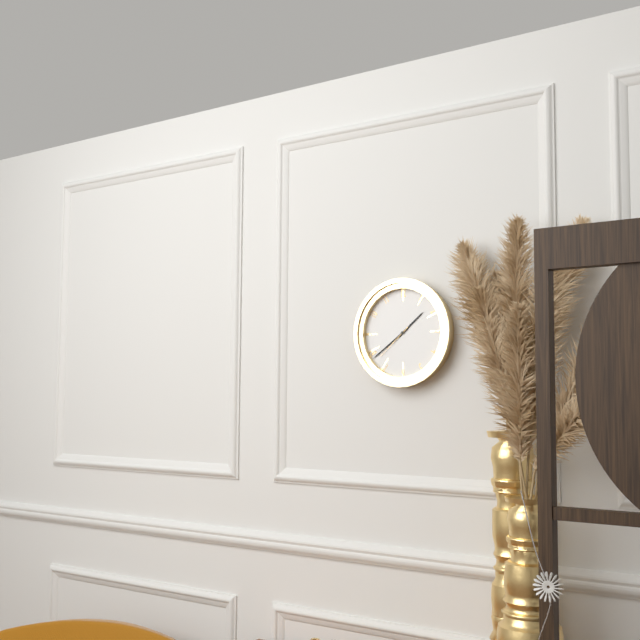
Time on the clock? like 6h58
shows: 1h39
